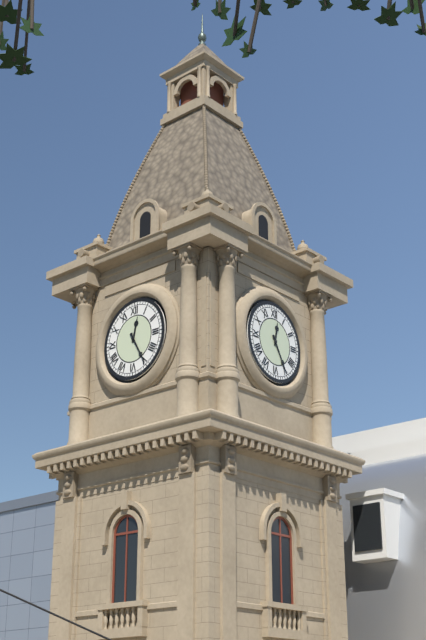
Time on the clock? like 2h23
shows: 12h25
